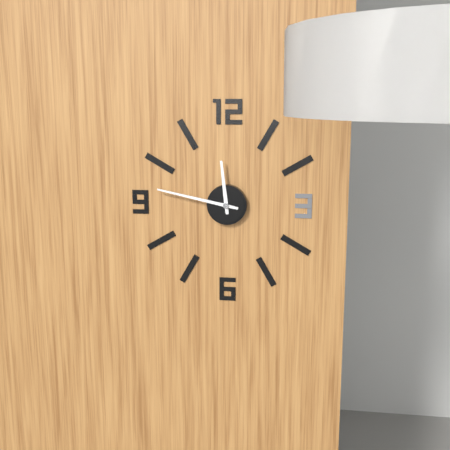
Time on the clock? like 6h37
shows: 11h47
